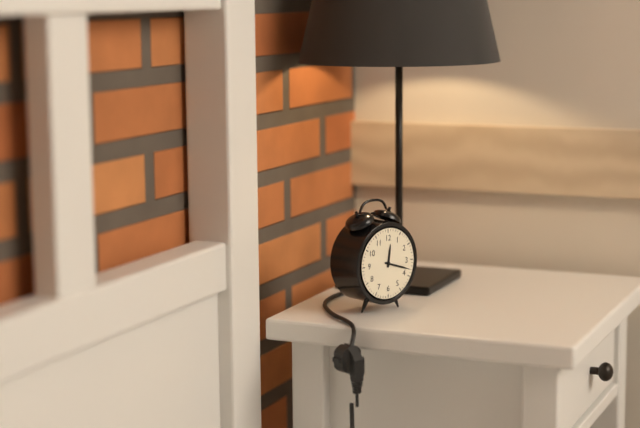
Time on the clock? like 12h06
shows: 12h18
